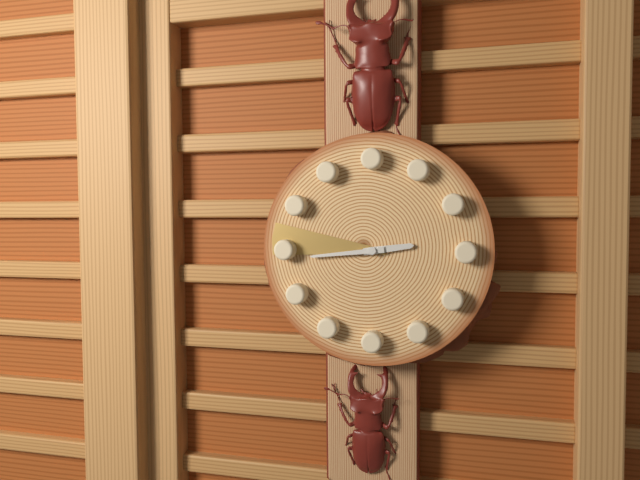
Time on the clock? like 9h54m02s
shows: 2h44m46s
